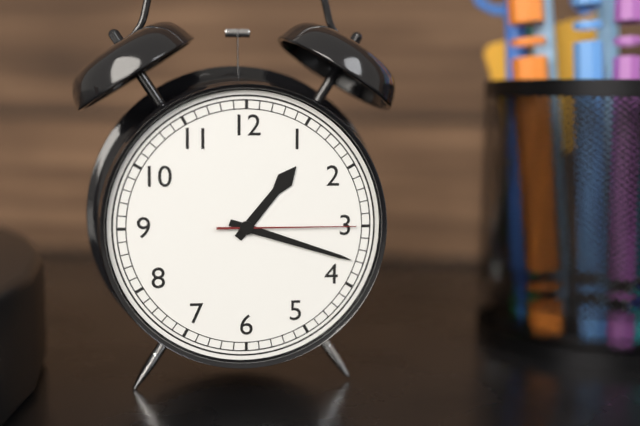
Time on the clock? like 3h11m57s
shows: 1h18m15s
